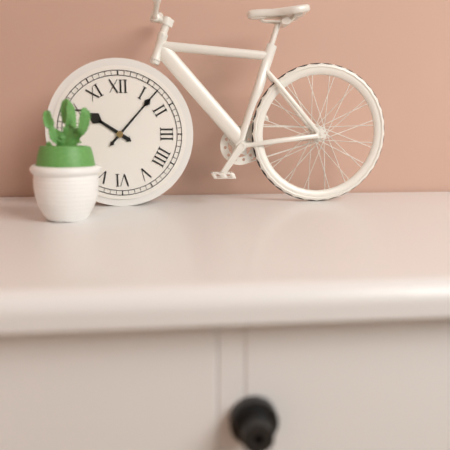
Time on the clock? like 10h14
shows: 10h07
